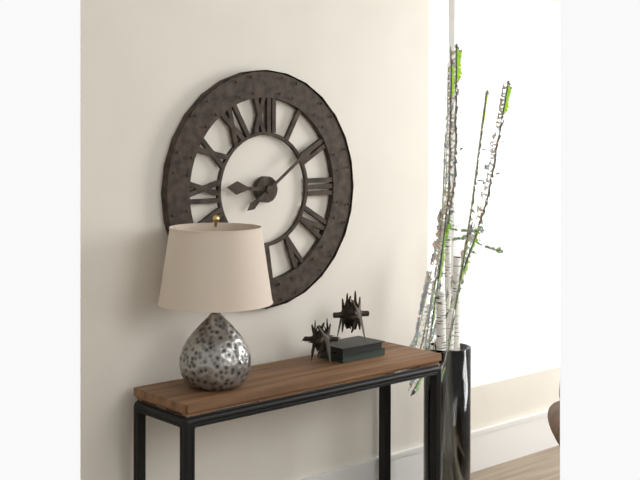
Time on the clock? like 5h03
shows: 9h09
